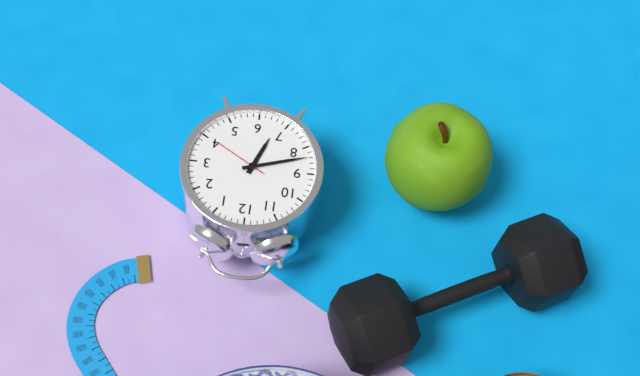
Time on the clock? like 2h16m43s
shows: 6h42m20s
